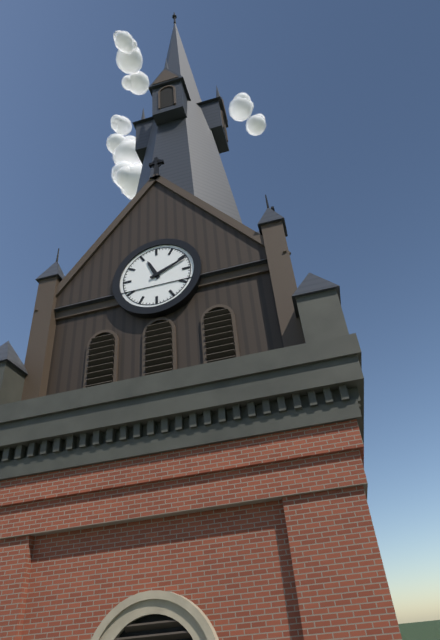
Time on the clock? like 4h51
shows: 11h11
